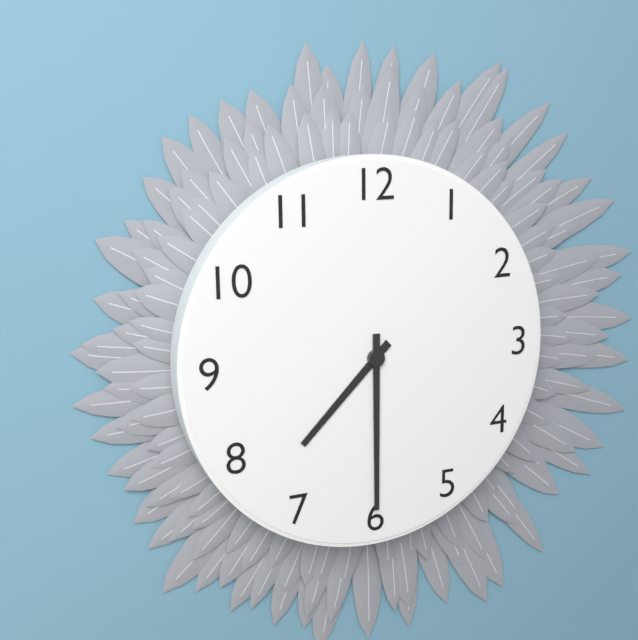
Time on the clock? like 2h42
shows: 7h30
